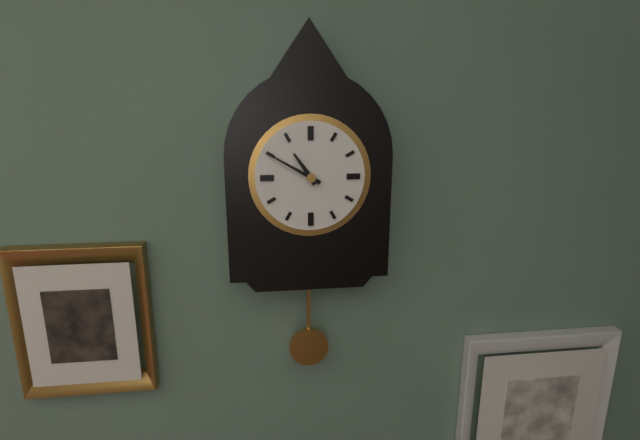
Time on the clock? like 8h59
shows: 10h50
